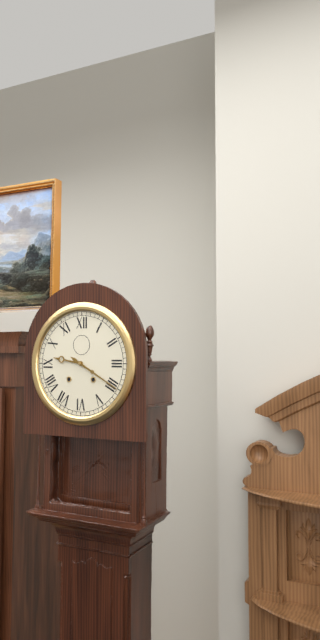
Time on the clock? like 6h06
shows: 9h20
